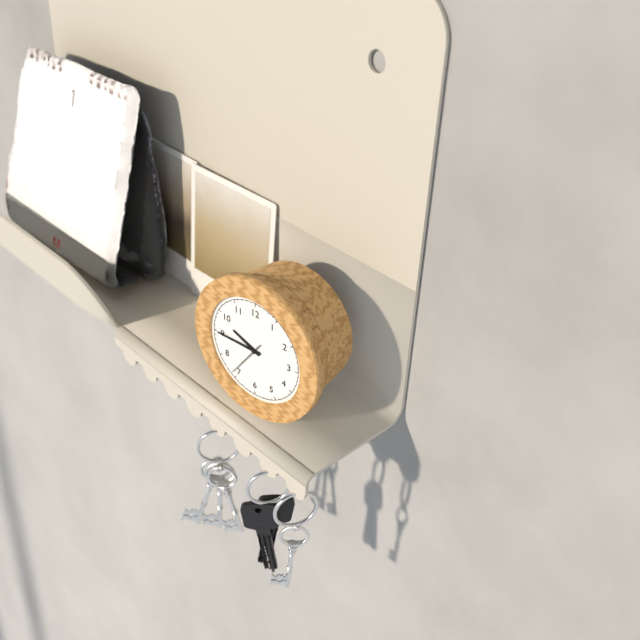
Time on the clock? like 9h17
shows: 9h45
